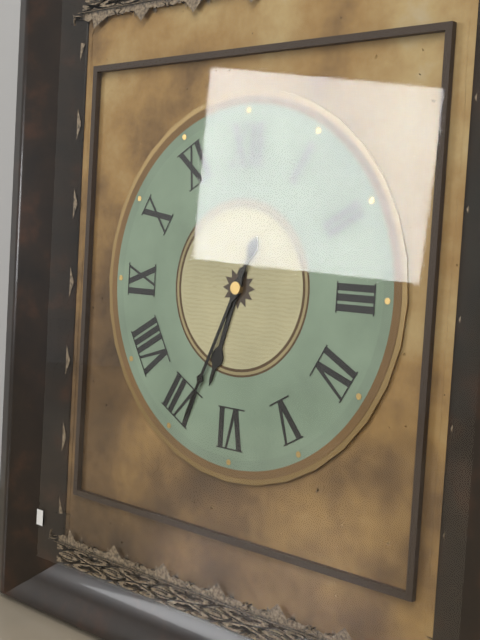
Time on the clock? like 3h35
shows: 6h34
